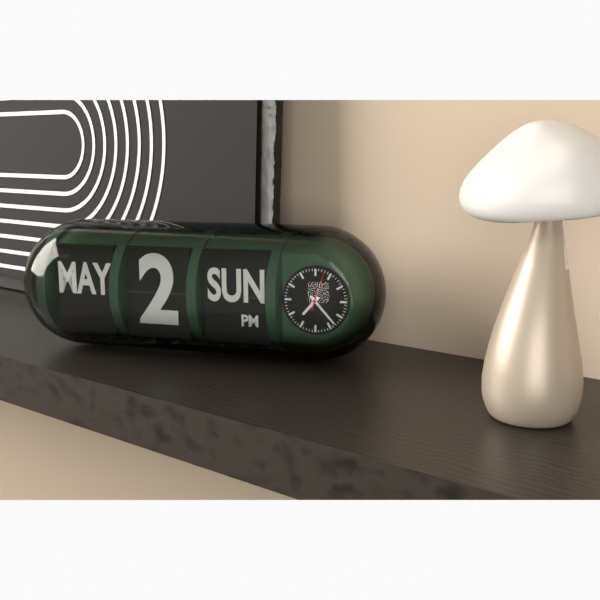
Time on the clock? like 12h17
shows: 7h23
